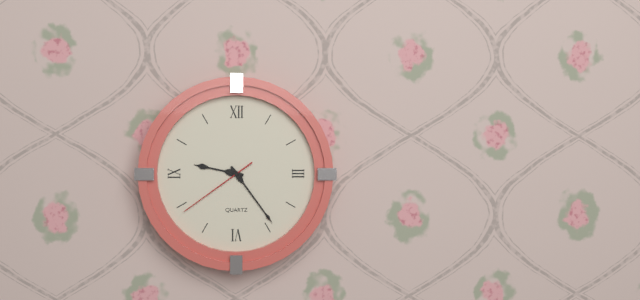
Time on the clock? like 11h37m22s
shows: 9h24m39s
